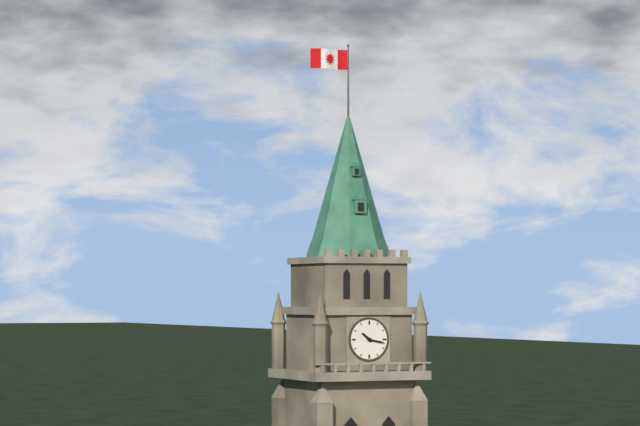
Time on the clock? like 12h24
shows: 10h17
